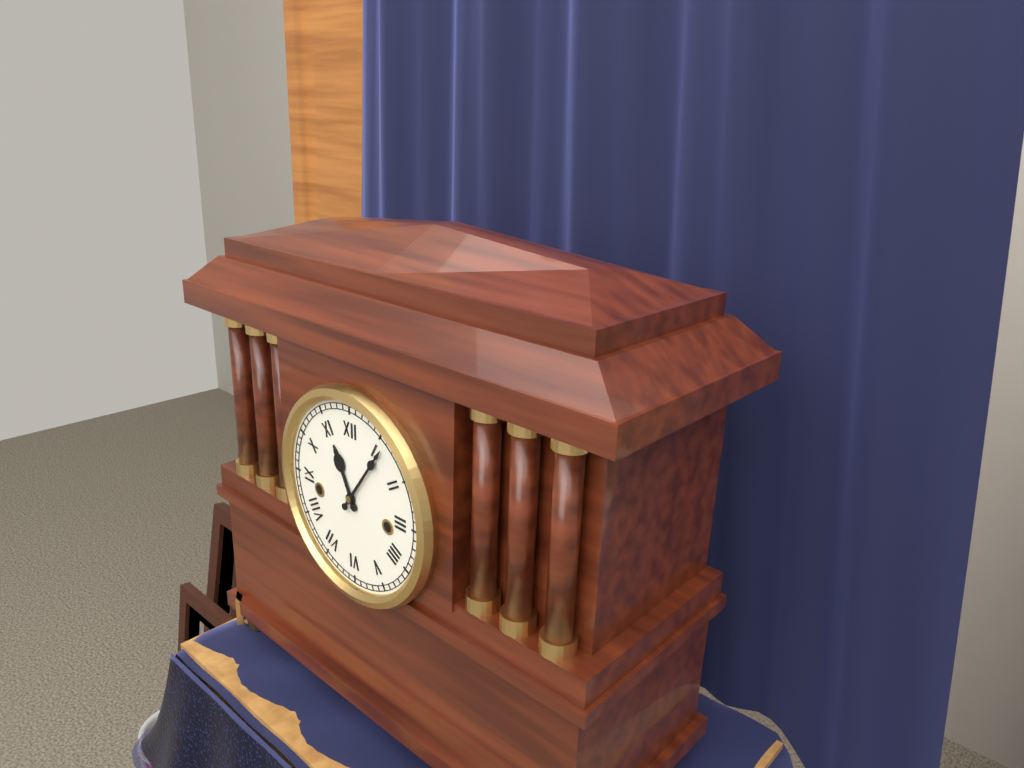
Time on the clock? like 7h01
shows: 11h06
